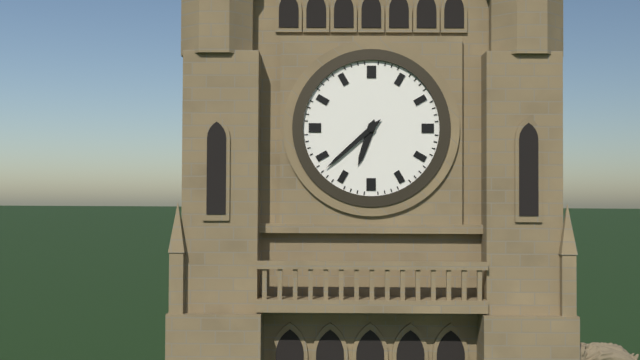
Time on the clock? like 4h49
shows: 6h38
